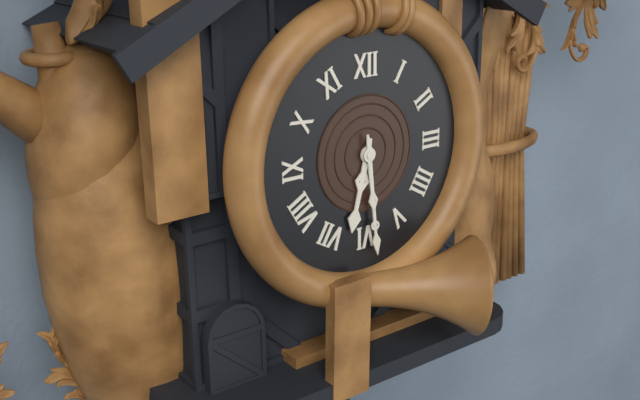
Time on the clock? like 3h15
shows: 6h29
